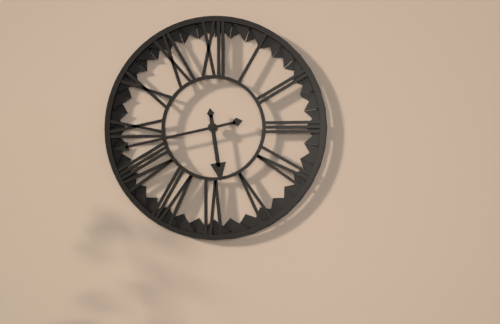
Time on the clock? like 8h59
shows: 5h43
